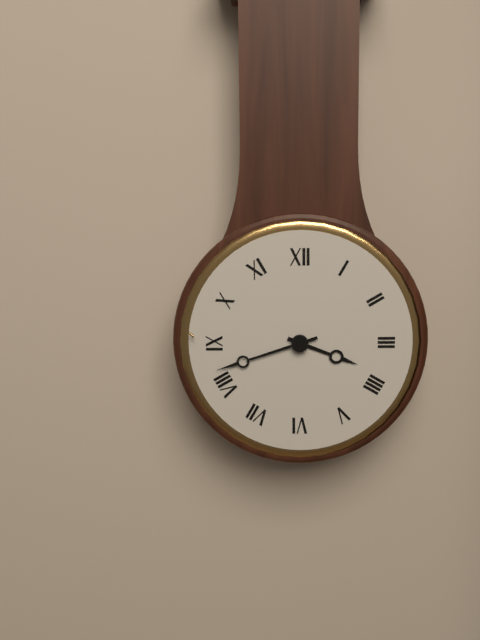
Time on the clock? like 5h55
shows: 3h42
